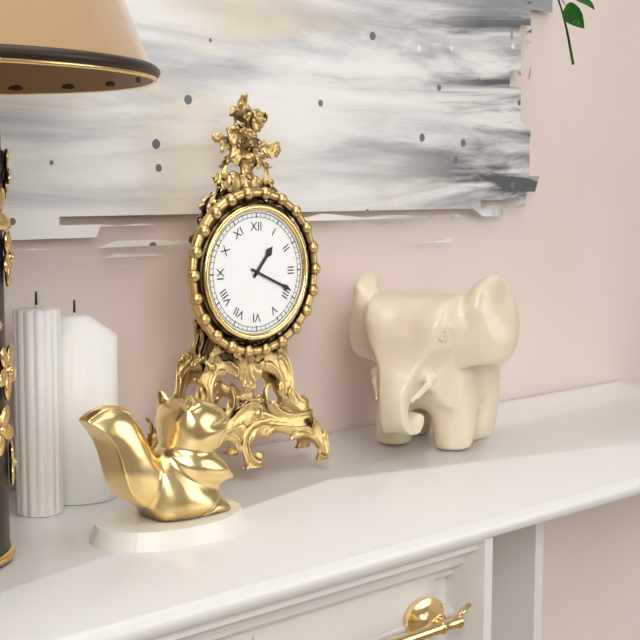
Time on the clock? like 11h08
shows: 1h19
